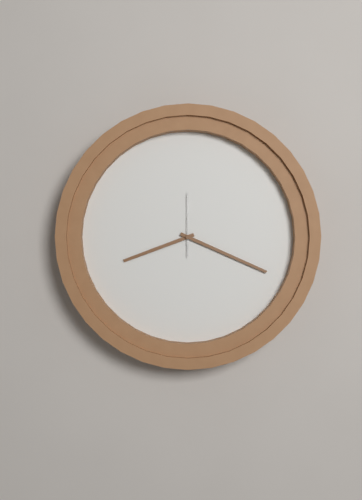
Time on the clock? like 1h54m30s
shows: 8h19m00s
